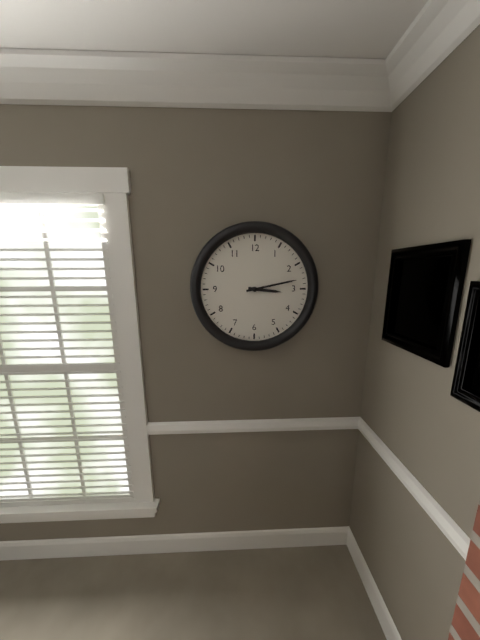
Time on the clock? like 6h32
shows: 3h13
